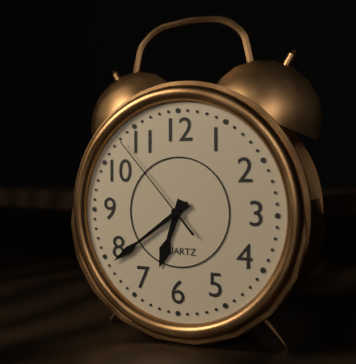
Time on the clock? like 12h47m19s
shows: 6h39m53s
